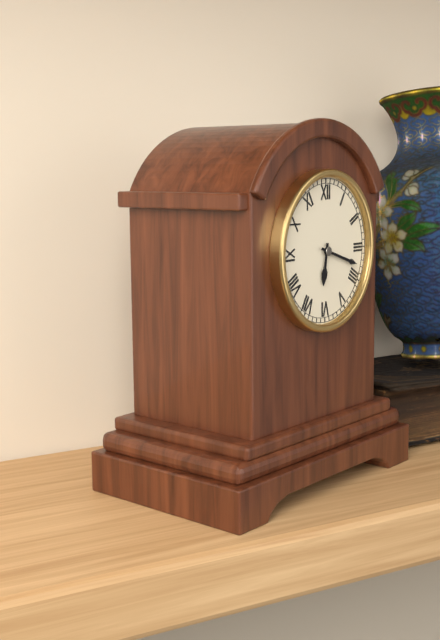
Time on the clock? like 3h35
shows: 6h18
